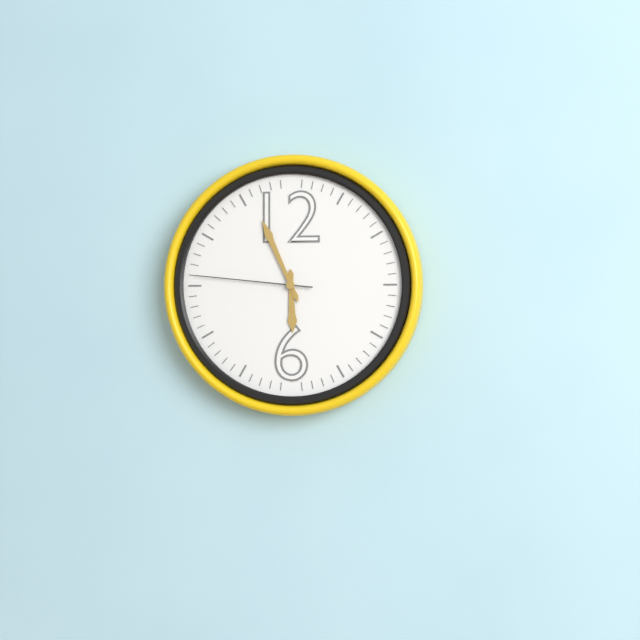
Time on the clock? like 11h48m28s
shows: 5h56m46s
